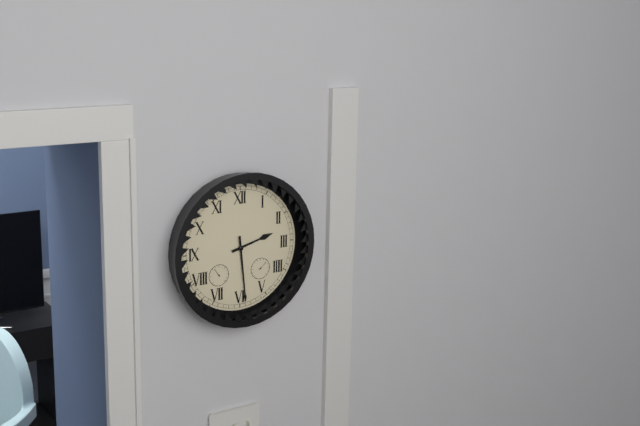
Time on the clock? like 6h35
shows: 2h29
